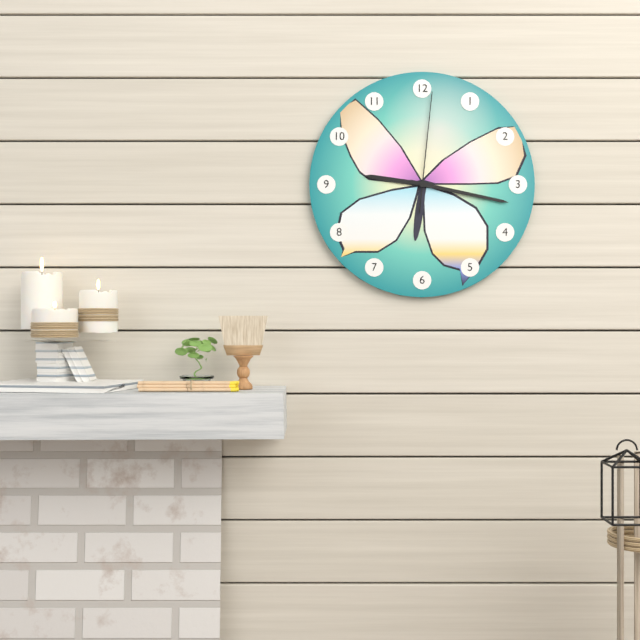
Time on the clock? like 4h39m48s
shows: 9h17m01s
